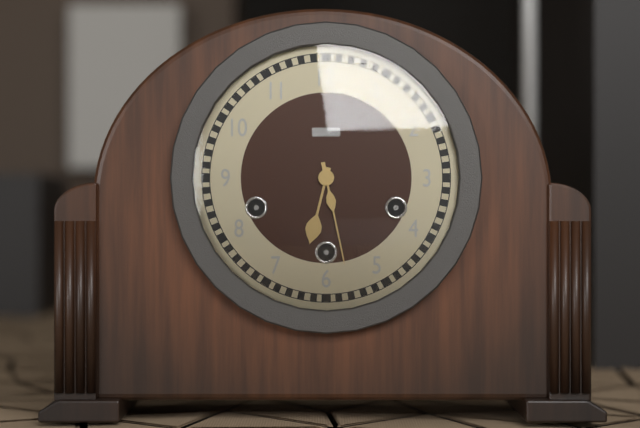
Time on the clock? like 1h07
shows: 6h28
